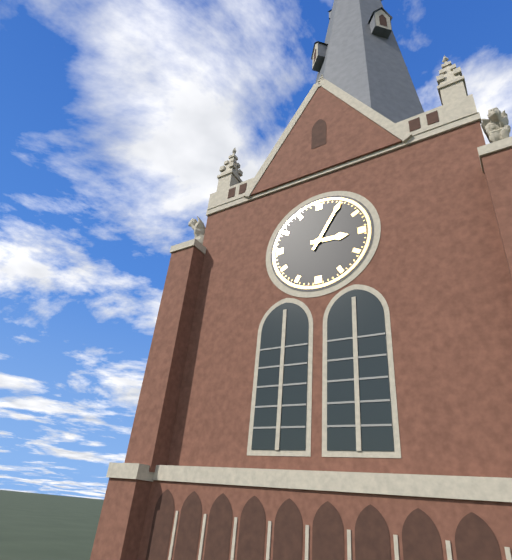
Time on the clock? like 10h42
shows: 3h05
